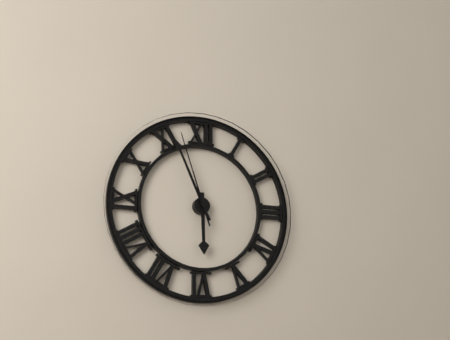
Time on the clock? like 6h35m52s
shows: 5h56m57s
